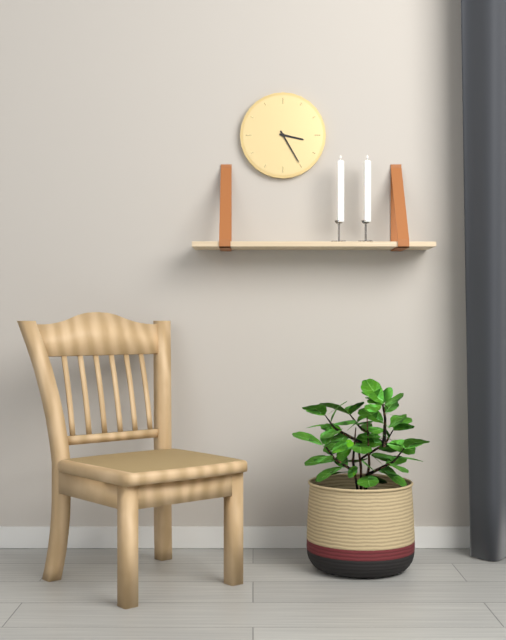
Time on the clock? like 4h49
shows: 3h25
